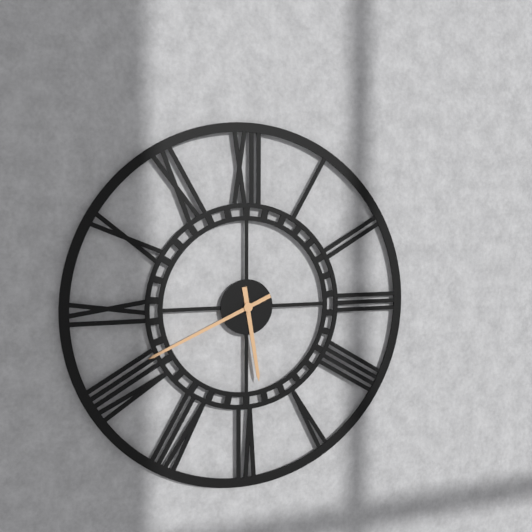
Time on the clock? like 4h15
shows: 5h41
